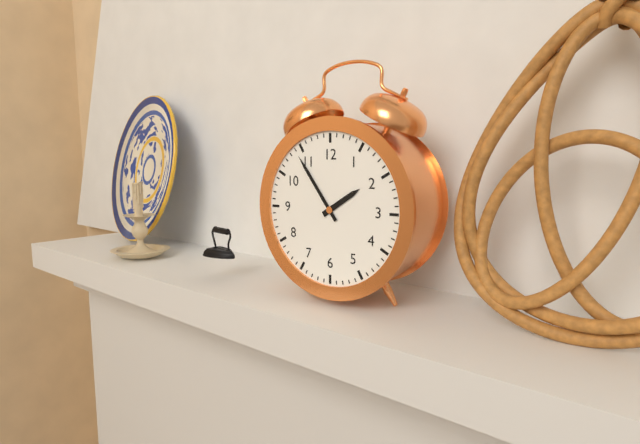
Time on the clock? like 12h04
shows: 1h54
